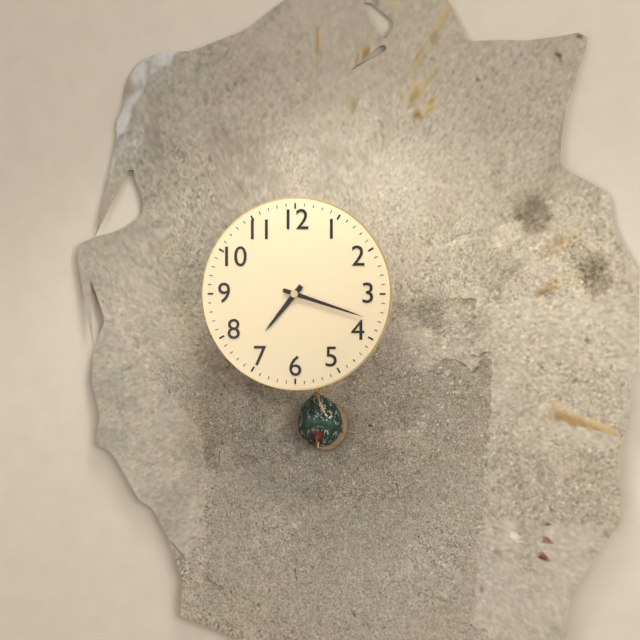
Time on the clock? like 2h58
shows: 7h18
